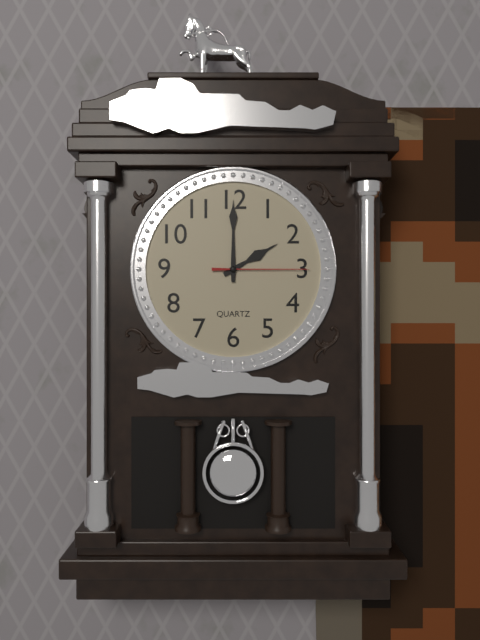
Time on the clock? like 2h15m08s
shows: 2h00m15s
